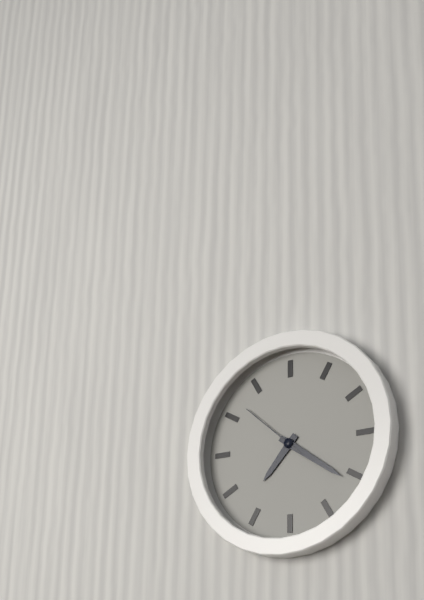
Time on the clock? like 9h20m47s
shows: 7h21m52s
